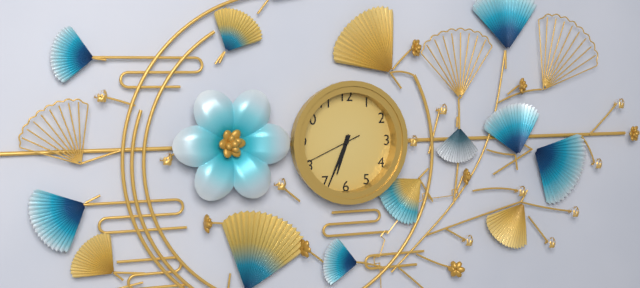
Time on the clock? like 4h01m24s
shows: 6h34m41s
